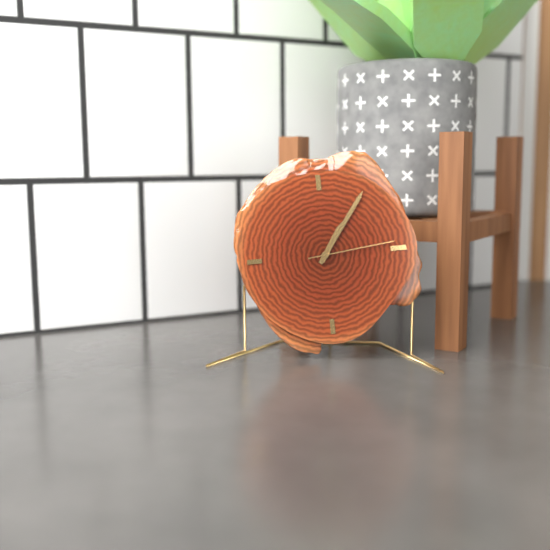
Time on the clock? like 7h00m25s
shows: 1h06m14s
